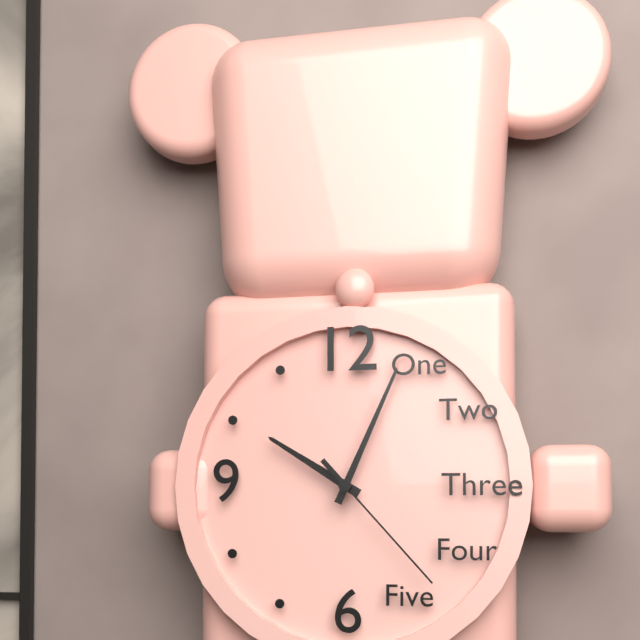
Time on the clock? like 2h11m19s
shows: 10h04m23s
